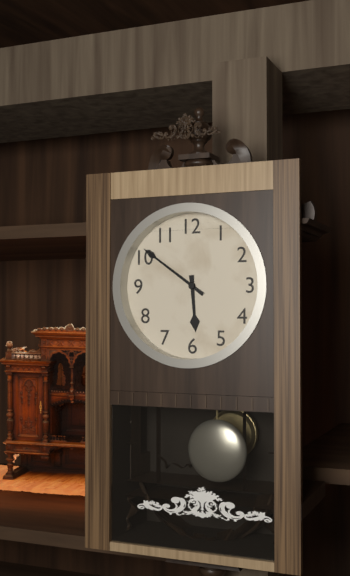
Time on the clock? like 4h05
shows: 5h51
